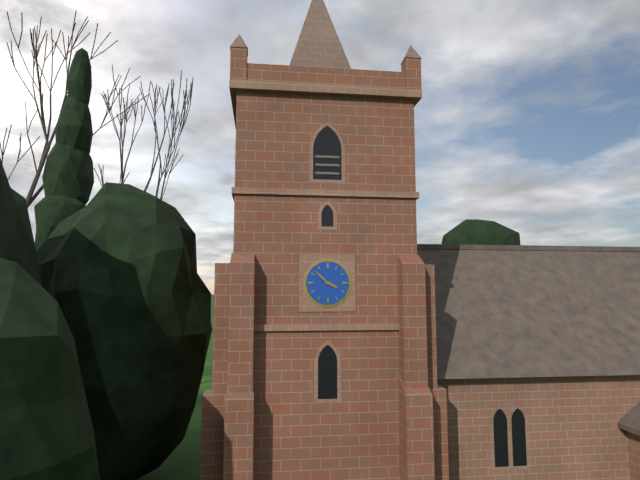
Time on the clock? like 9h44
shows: 3h52
